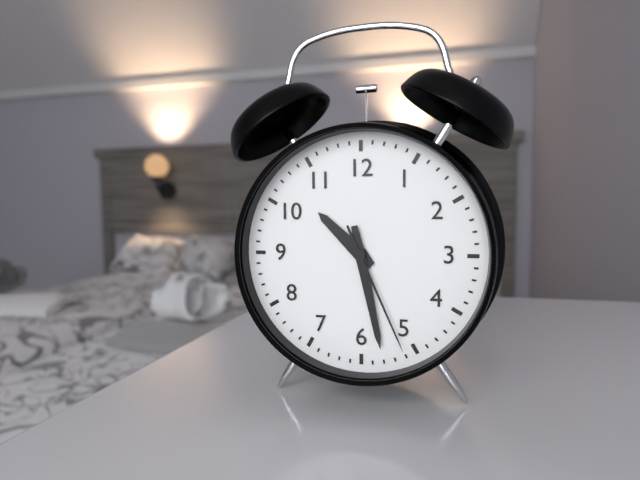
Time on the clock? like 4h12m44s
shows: 10h28m26s
